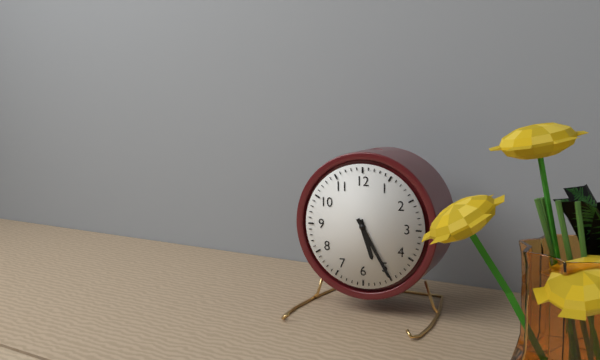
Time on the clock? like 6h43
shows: 5h25
